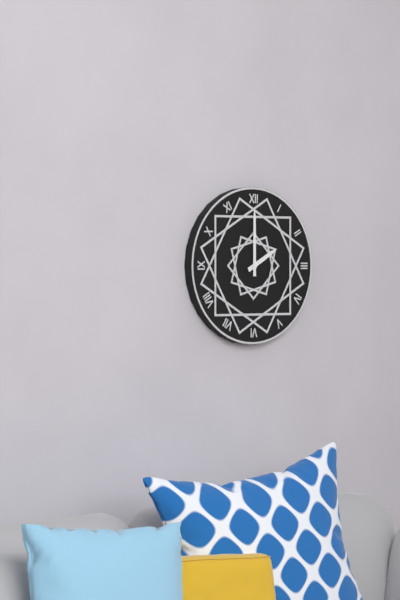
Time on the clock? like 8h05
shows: 2h00
